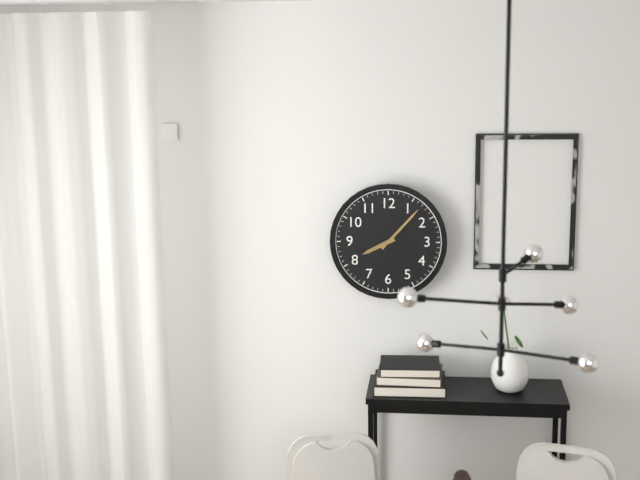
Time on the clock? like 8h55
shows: 8h07
